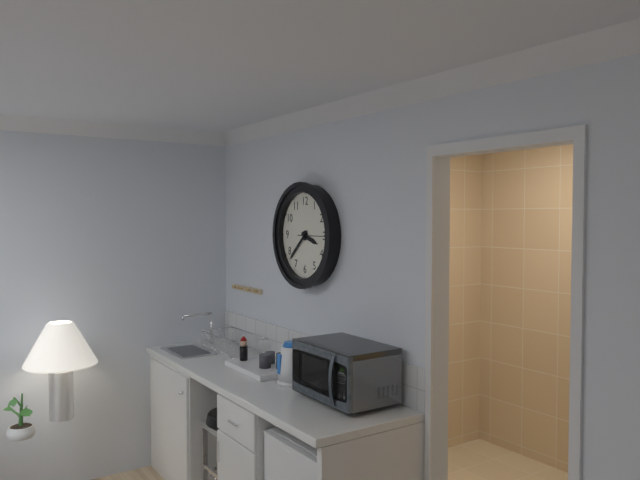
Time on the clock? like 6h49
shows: 3h38
